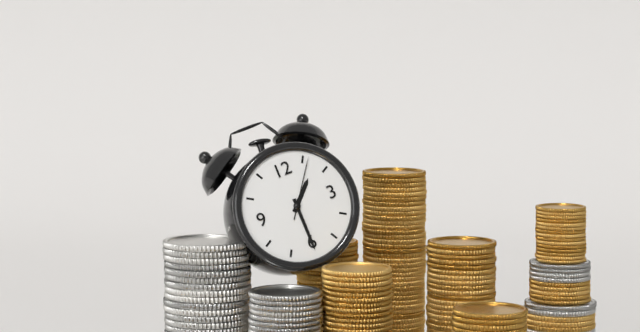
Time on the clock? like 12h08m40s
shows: 1h30m06s
